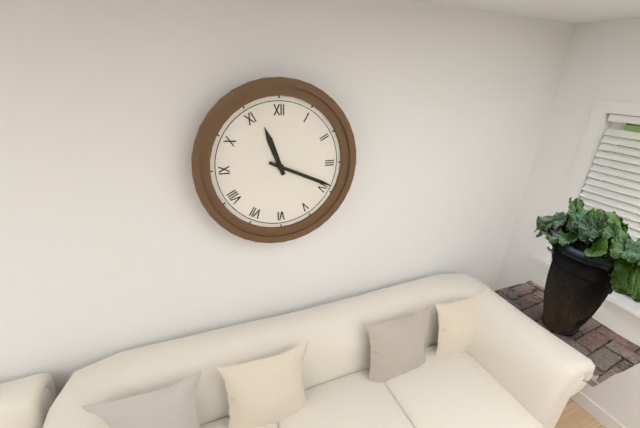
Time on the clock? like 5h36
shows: 11h19
